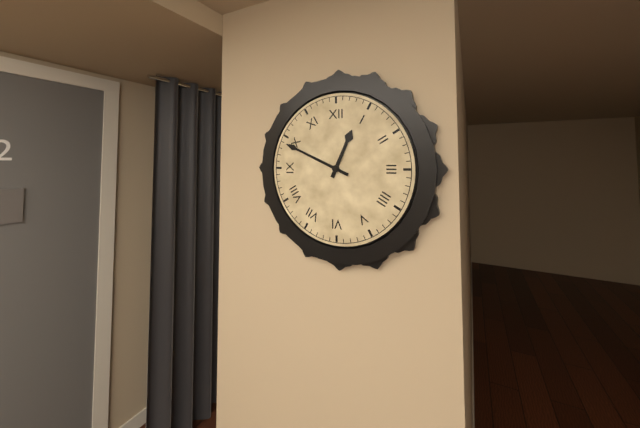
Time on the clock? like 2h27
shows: 12h49
